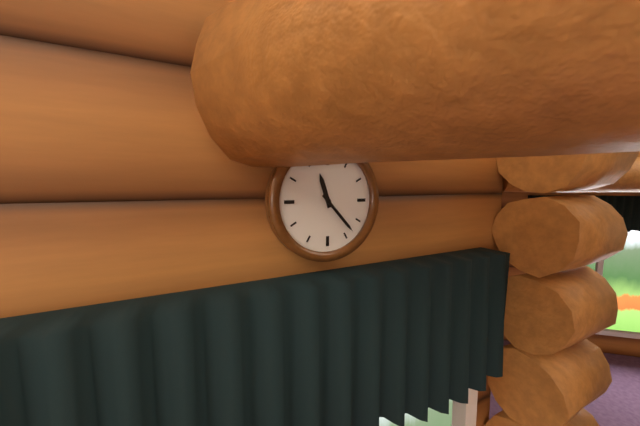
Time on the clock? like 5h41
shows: 11h23
